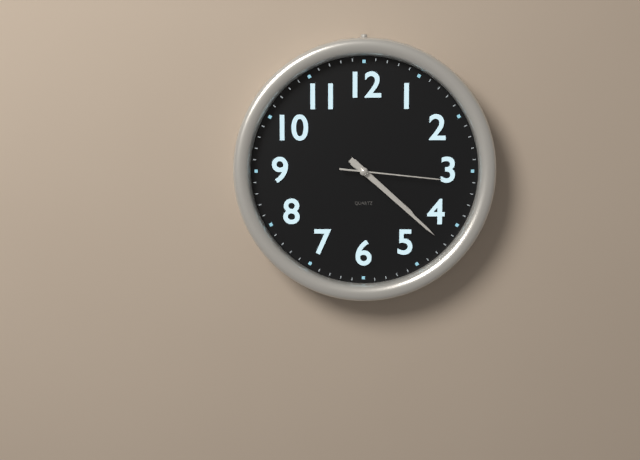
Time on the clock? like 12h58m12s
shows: 4h22m16s
